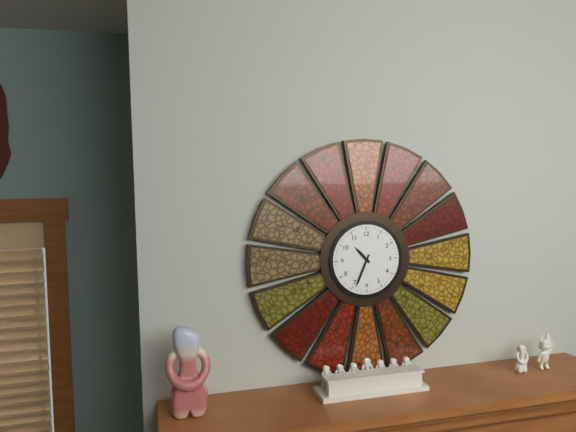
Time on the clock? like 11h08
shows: 10h34
